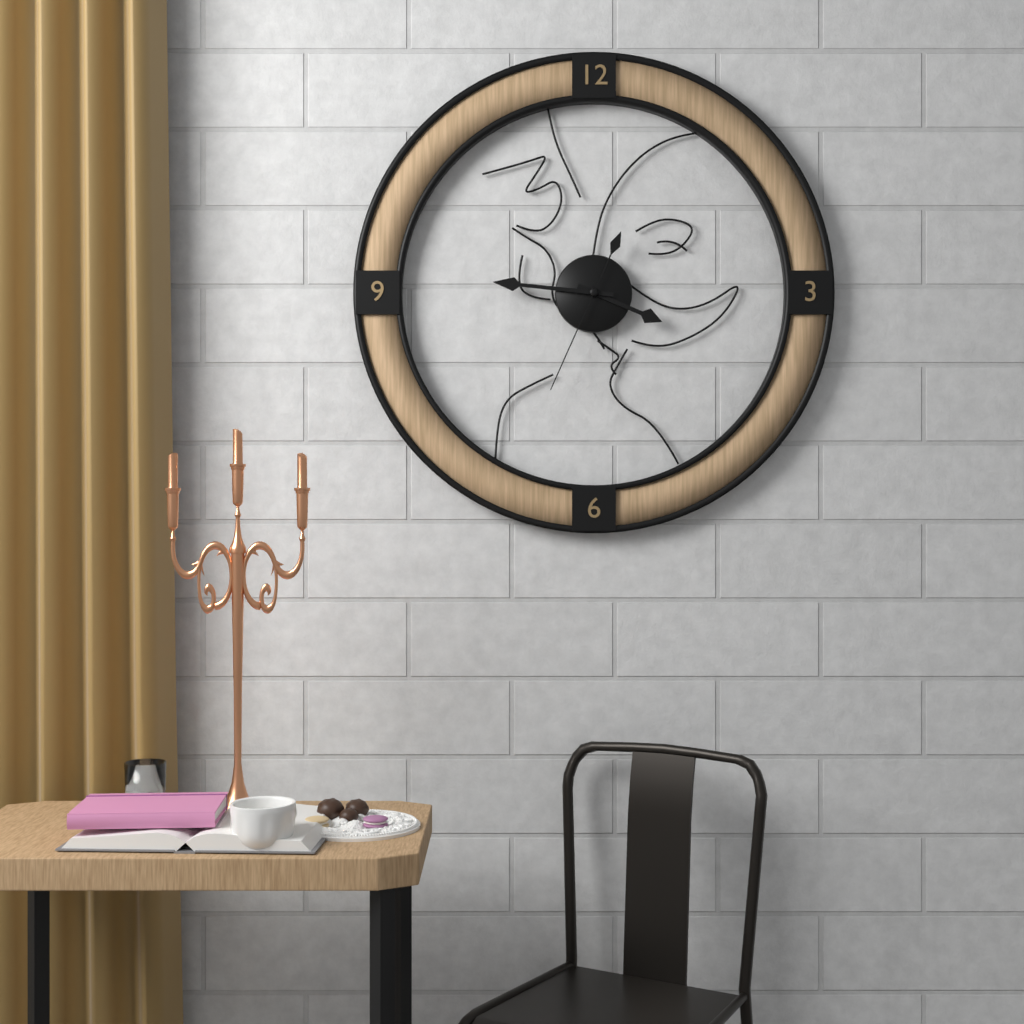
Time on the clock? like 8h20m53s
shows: 3h46m34s
